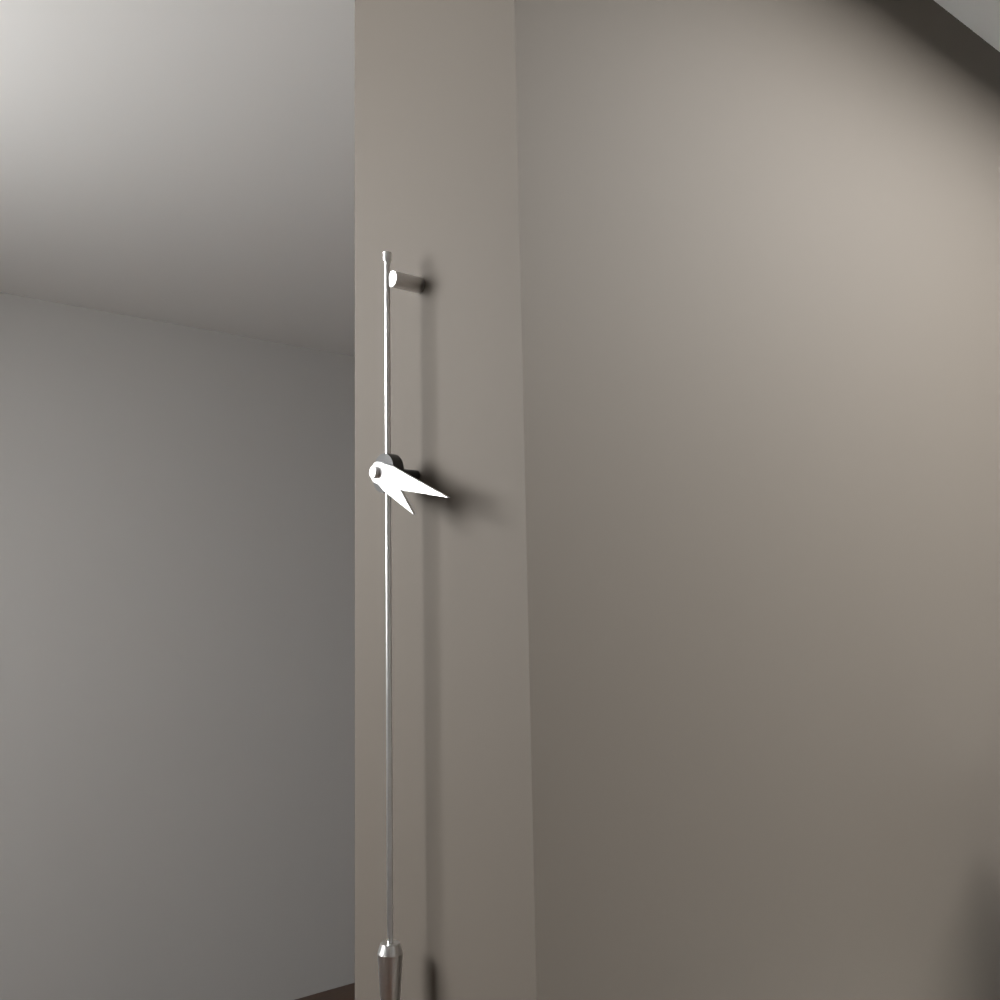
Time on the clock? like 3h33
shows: 4h18
